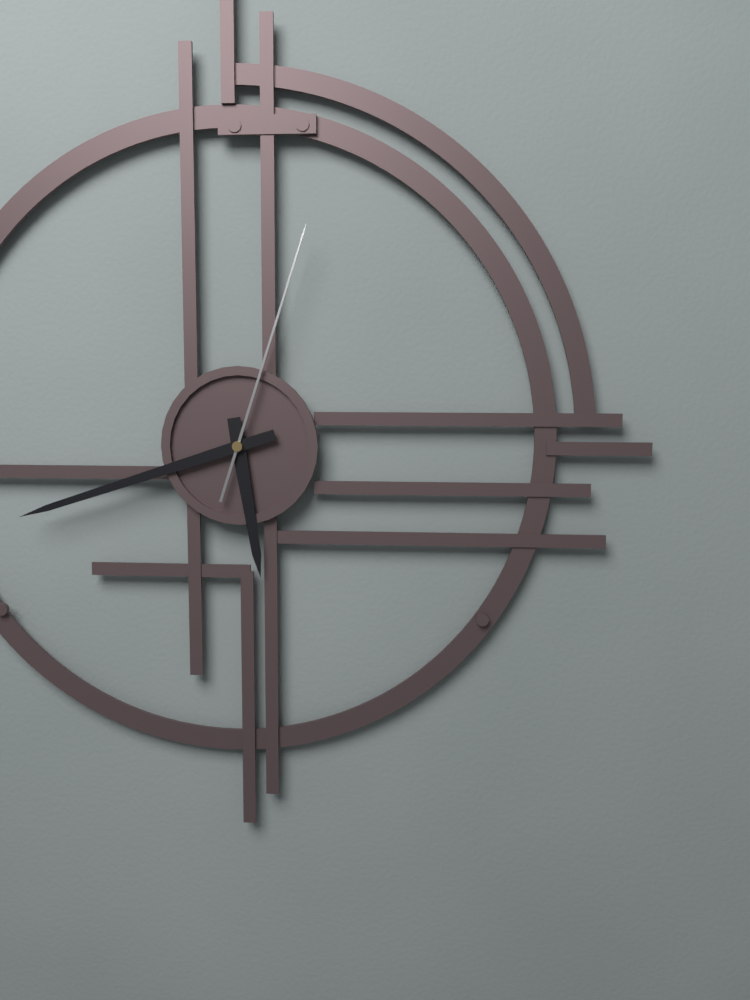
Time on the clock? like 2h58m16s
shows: 5h42m03s
